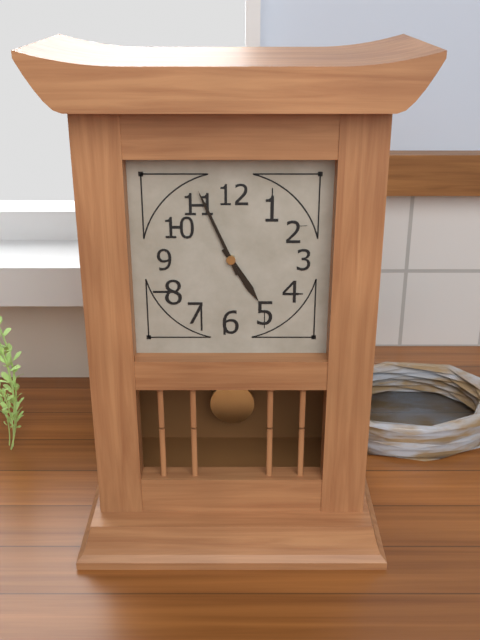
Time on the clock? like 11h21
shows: 4h56
